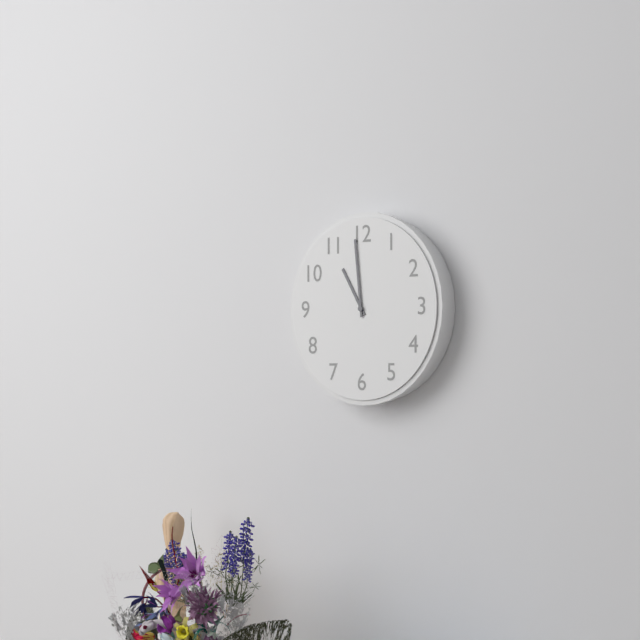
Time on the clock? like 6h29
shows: 10h59
